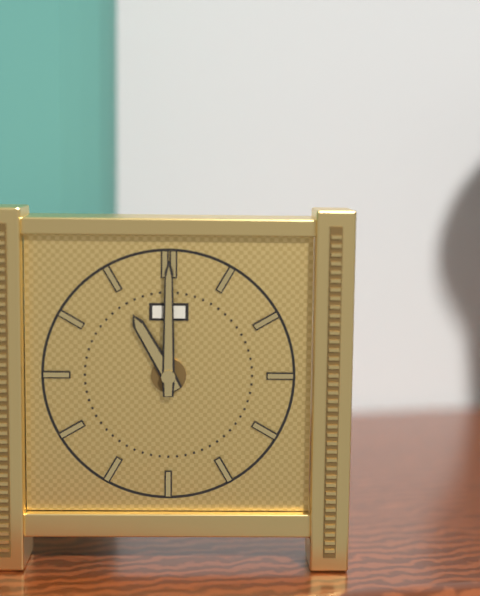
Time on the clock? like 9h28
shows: 11h00
